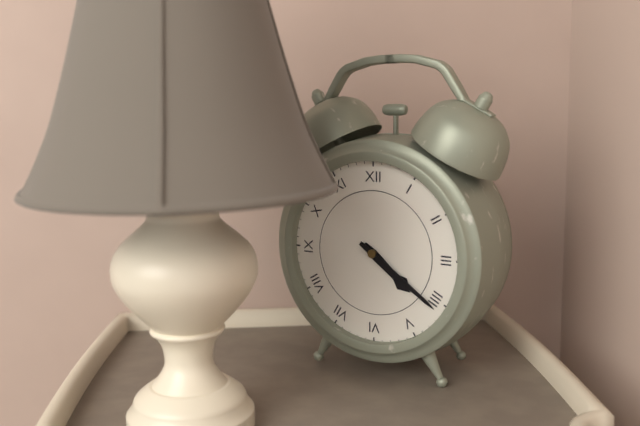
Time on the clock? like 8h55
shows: 4h21
